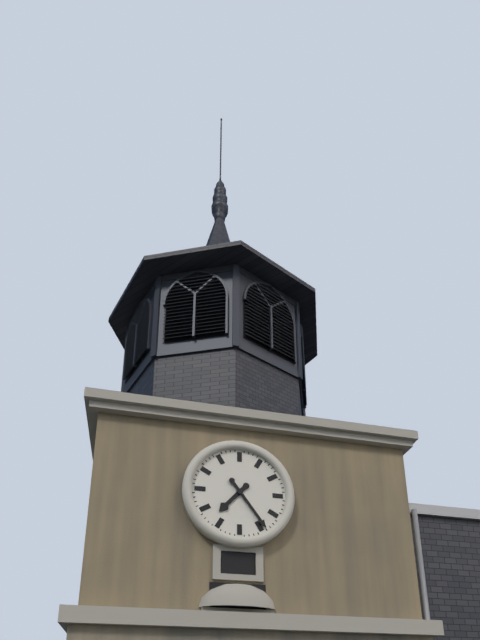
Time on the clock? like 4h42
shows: 7h24
